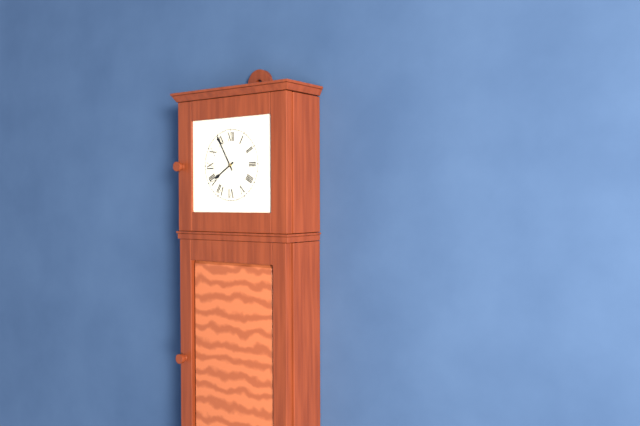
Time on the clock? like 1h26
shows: 7h55
